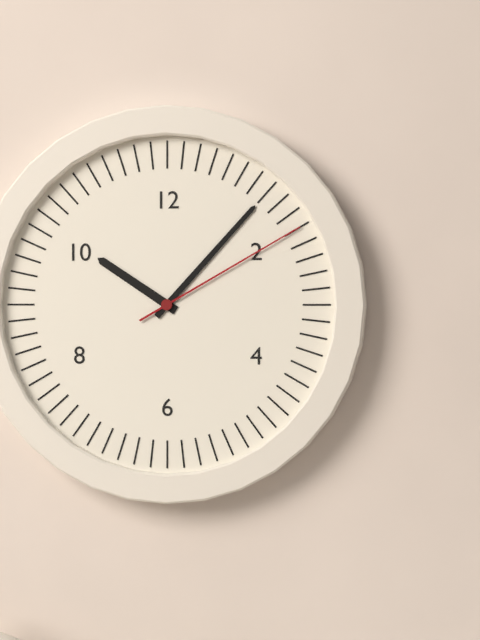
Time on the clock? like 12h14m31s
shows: 10h07m10s
